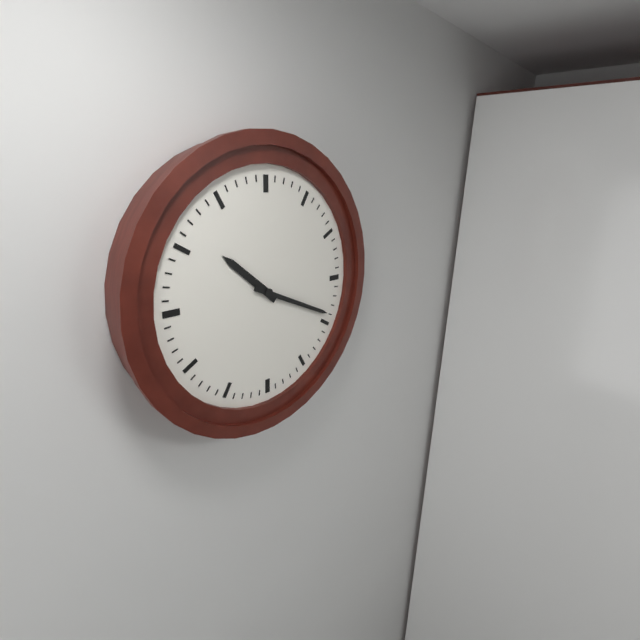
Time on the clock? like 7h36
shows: 10h19
